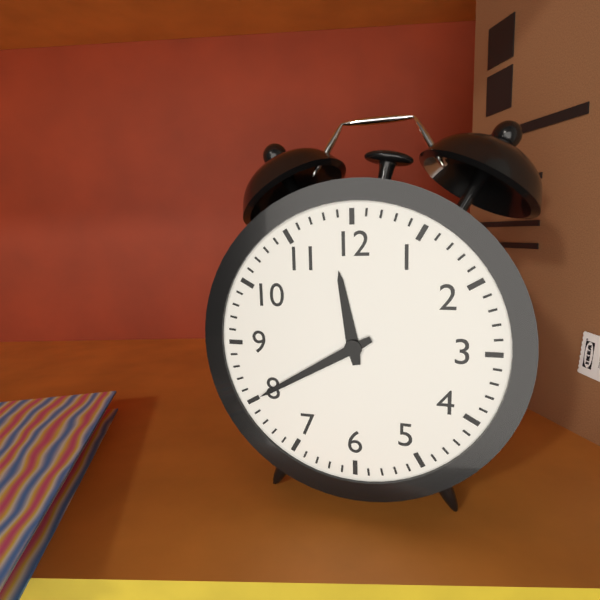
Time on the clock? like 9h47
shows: 11h40
